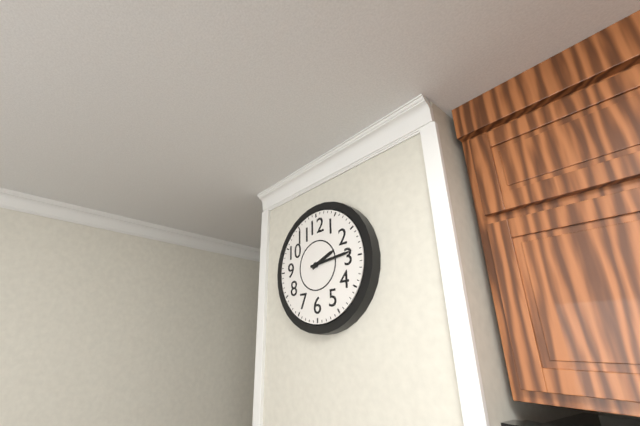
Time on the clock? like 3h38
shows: 2h14
